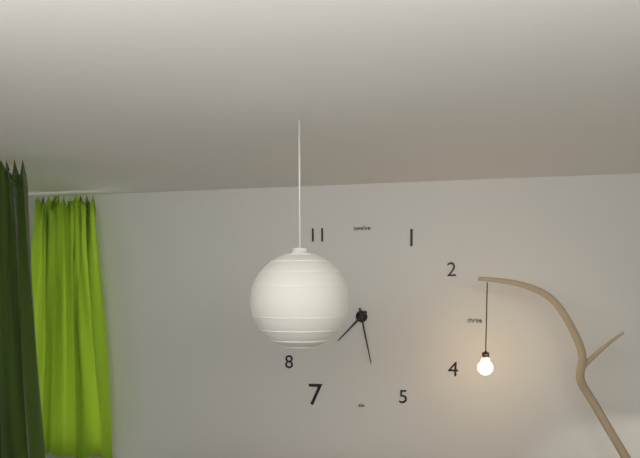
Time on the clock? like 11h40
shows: 7h28
